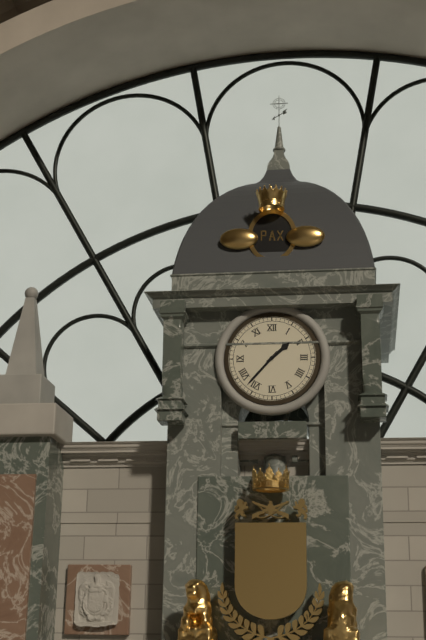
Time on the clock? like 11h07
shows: 1h37
